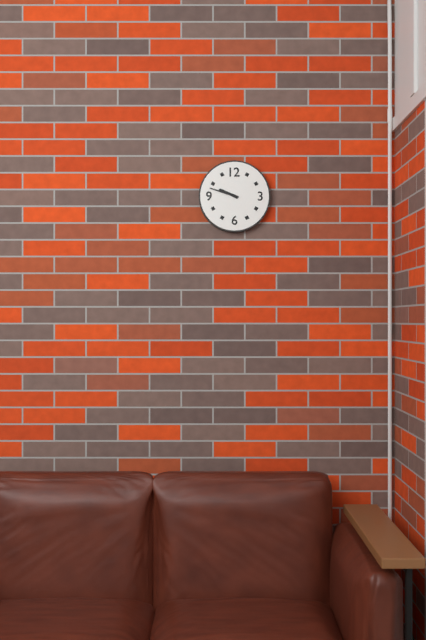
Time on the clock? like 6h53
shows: 9h48
